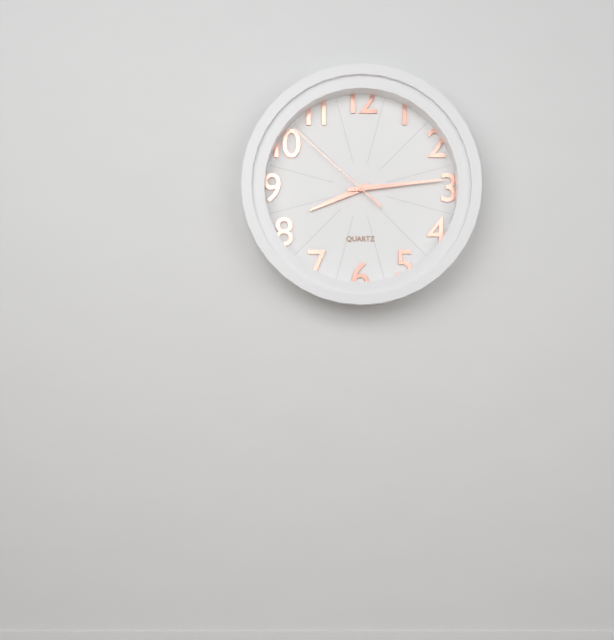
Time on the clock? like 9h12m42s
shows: 8h14m52s
